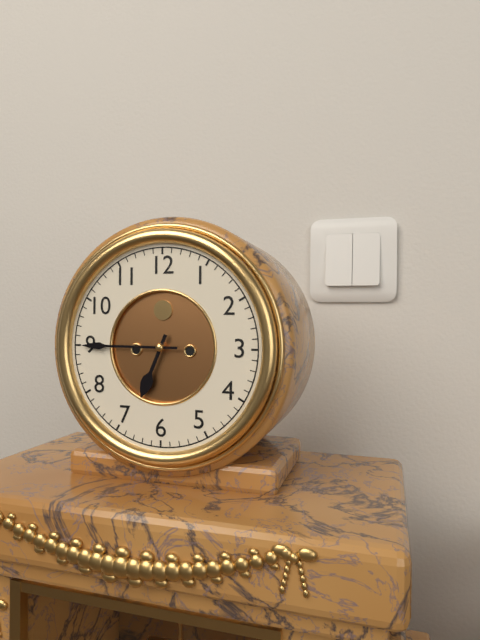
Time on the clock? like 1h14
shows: 6h45
